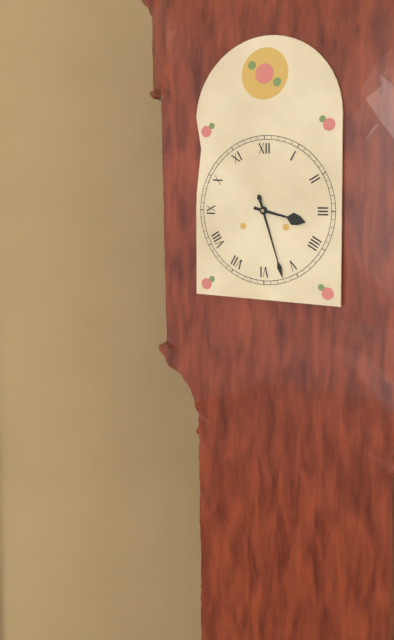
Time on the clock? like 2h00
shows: 3h27
